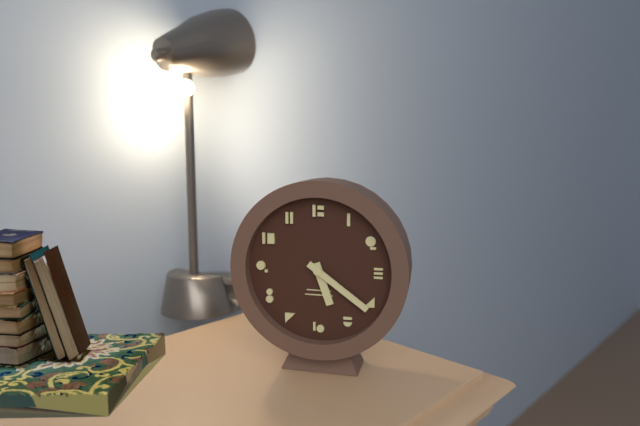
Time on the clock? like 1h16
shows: 5h21
